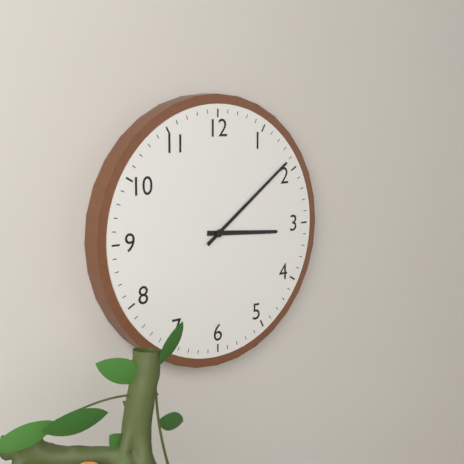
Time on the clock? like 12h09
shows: 3h09
